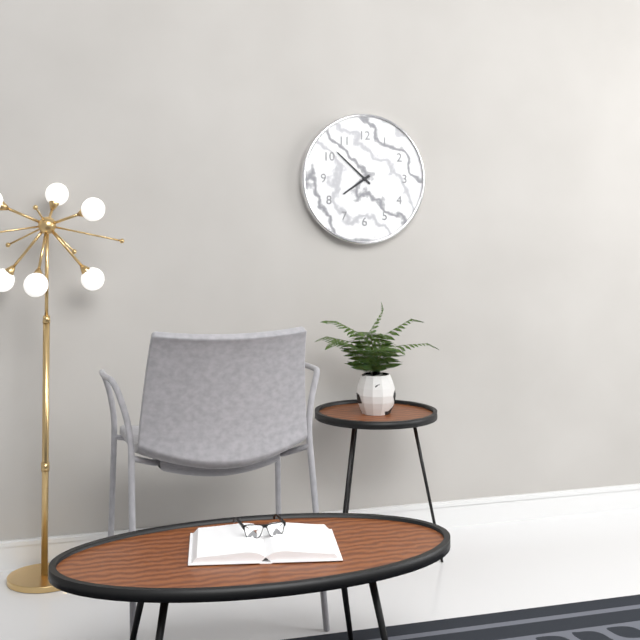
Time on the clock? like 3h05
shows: 7h52
